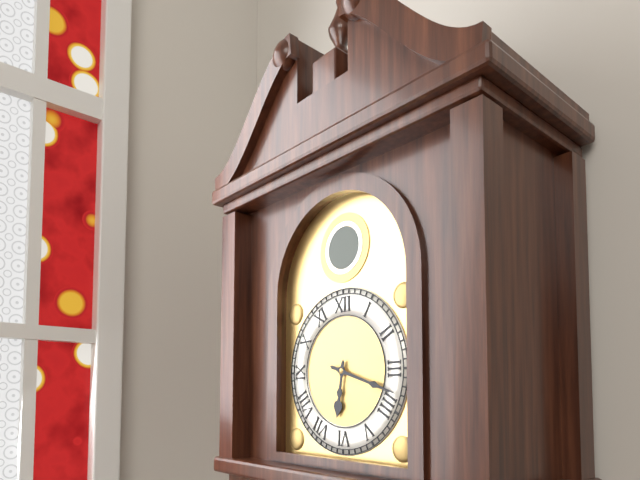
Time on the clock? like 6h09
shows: 6h18
